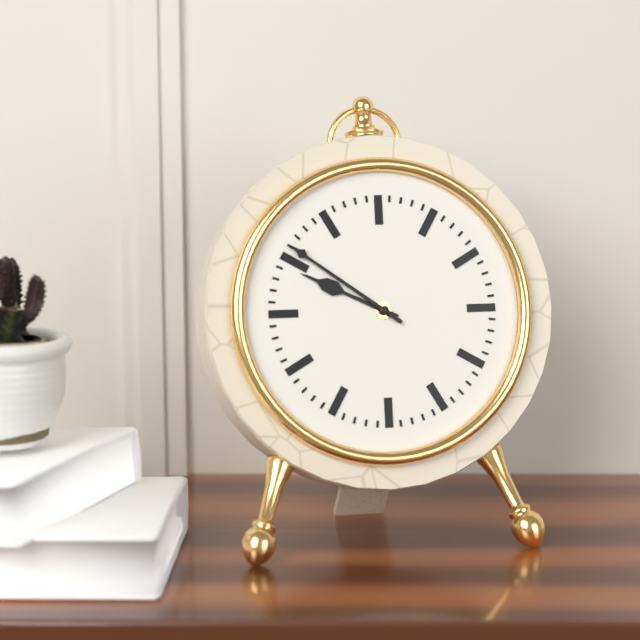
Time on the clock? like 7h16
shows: 9h51
